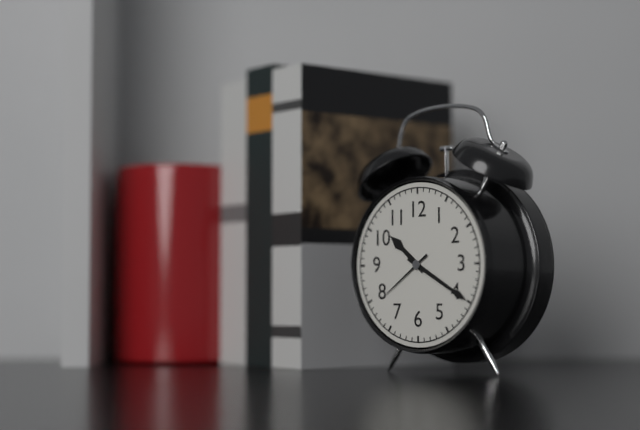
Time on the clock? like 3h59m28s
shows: 10h20m39s
